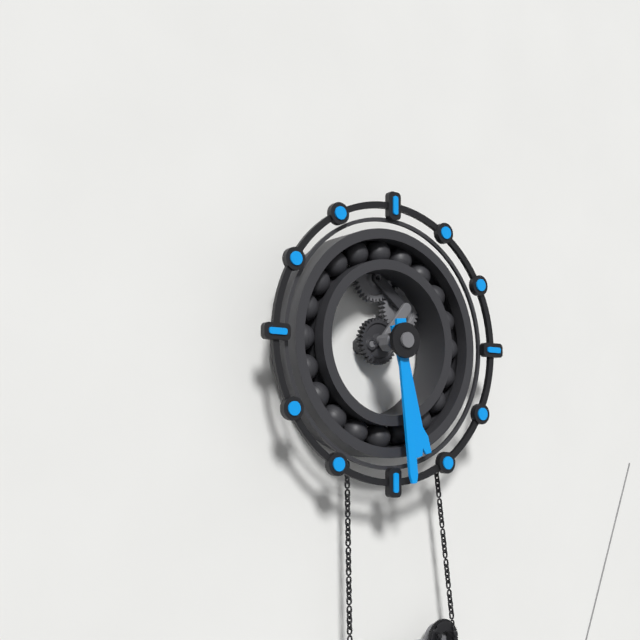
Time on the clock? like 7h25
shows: 5h29
